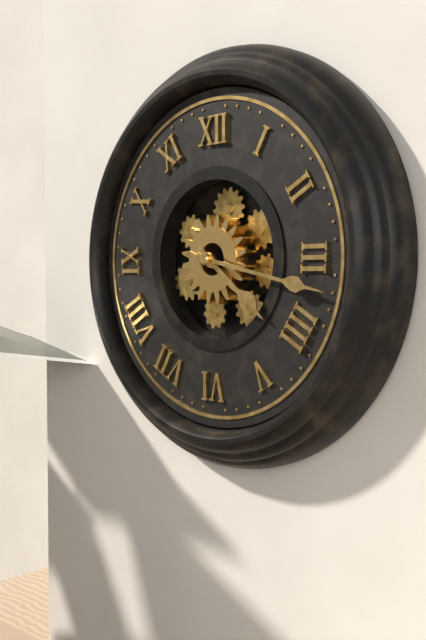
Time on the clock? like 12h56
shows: 4h17
